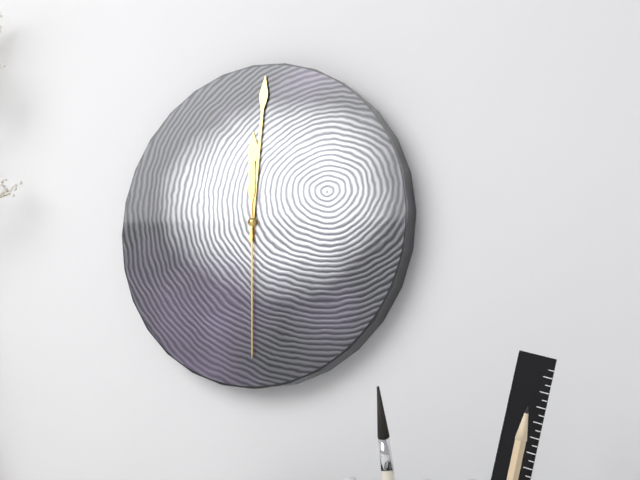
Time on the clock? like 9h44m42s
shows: 12h01m30s
